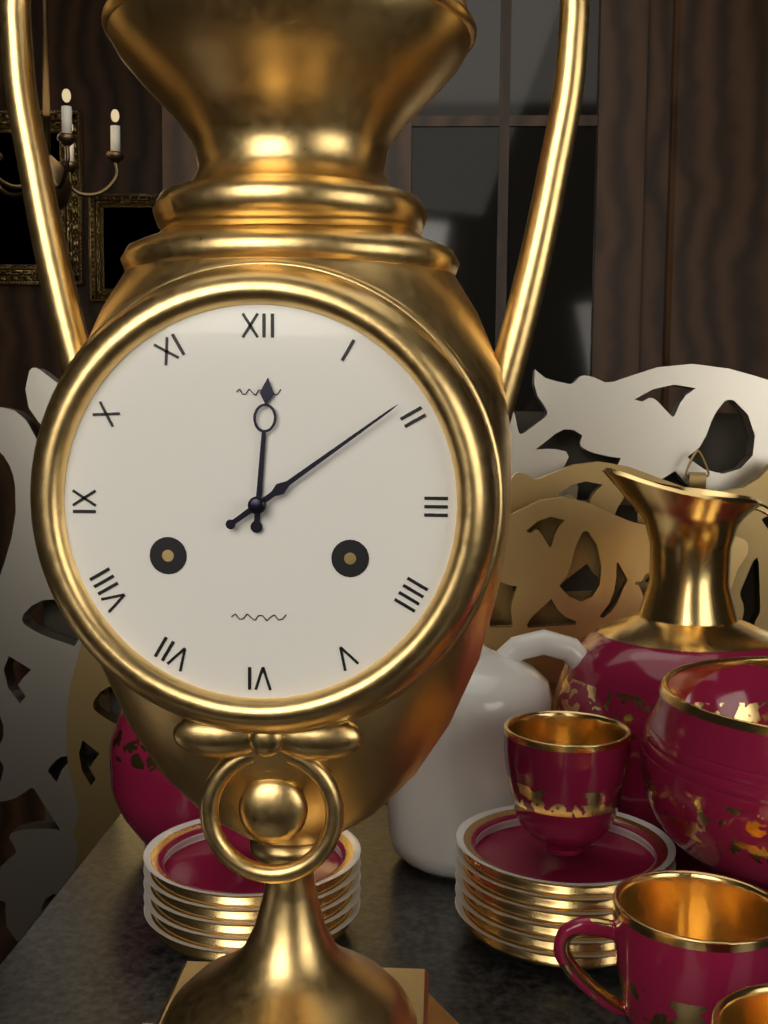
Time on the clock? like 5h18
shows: 12h09
